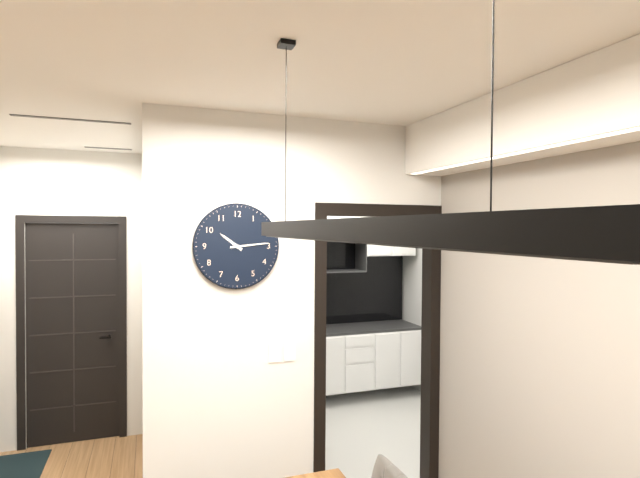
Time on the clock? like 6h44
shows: 10h14
